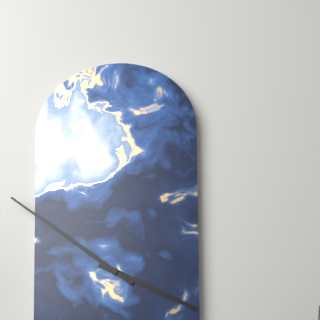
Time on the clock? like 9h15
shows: 3h51
